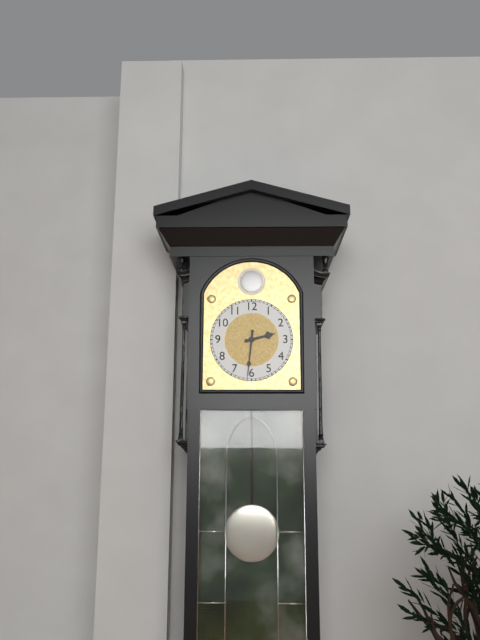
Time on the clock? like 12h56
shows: 2h31
